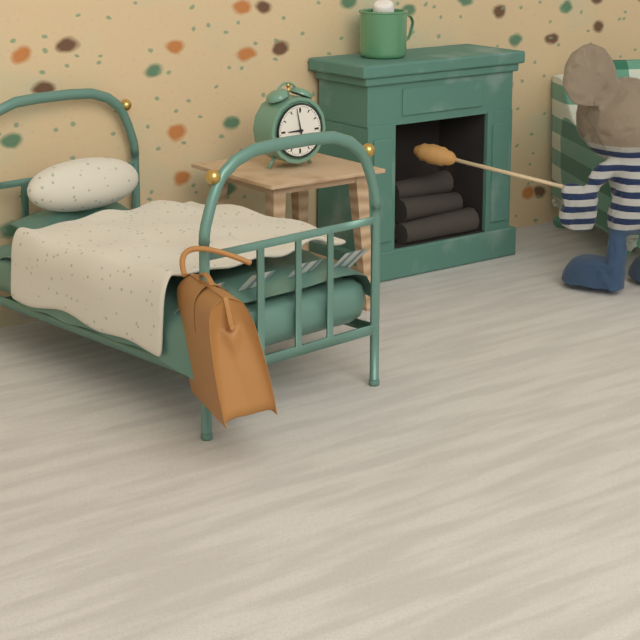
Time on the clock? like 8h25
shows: 8h58
